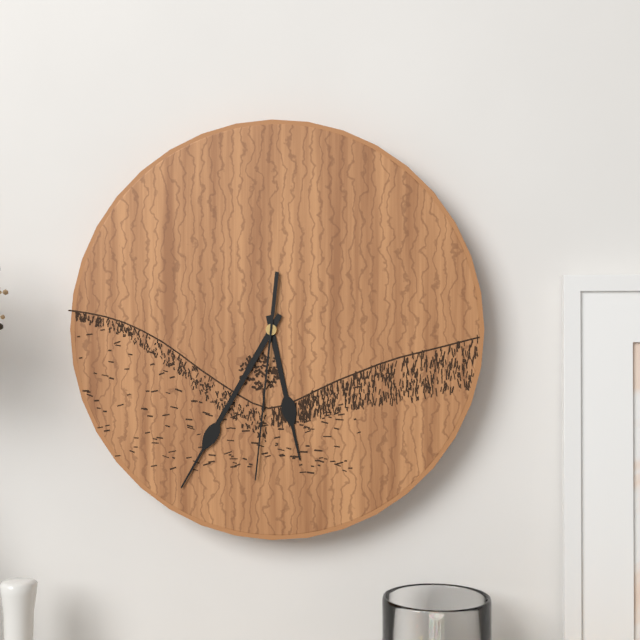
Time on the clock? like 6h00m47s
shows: 5h35m31s
